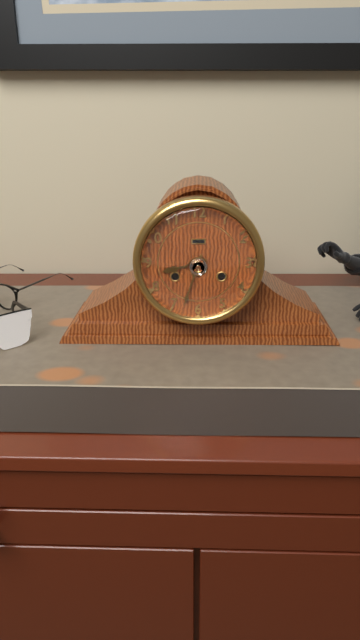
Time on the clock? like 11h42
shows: 8h33
